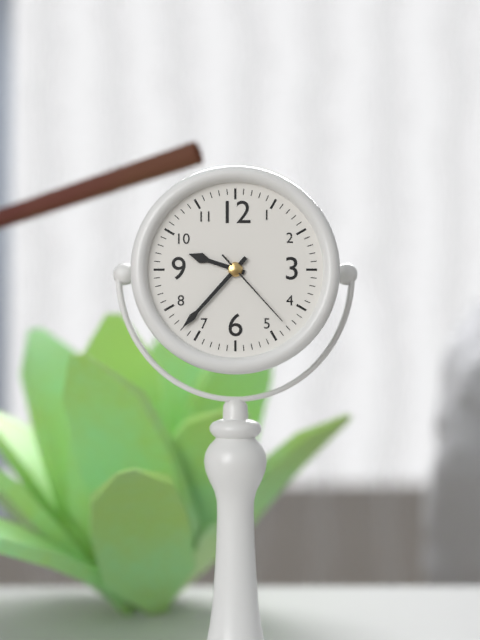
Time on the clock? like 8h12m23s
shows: 9h37m23s
